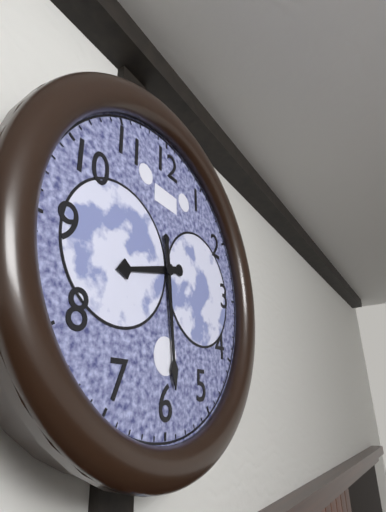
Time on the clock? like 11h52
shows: 8h29
